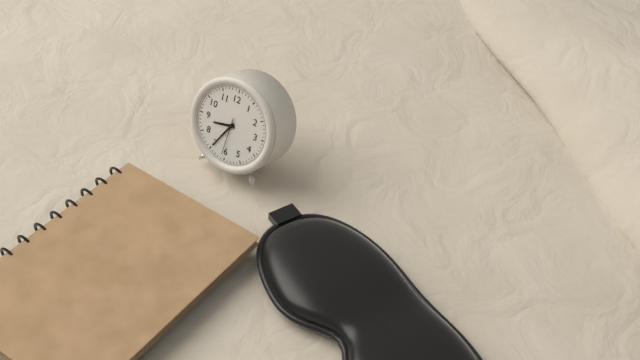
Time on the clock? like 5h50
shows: 8h35
